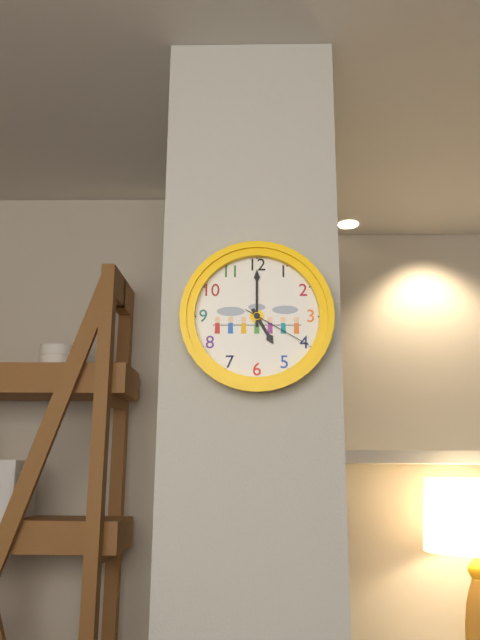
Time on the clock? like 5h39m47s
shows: 5h00m20s
